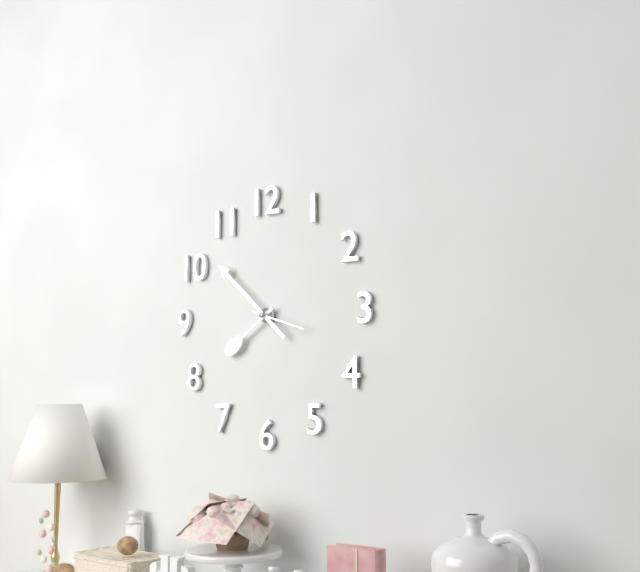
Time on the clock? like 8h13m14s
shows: 7h52m18s
